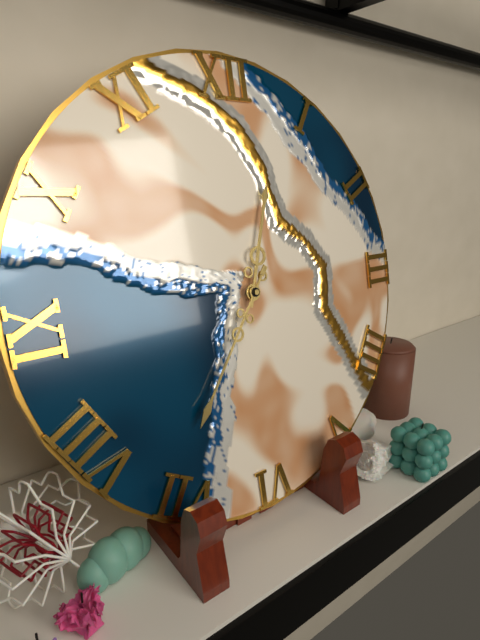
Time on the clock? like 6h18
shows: 12h36
